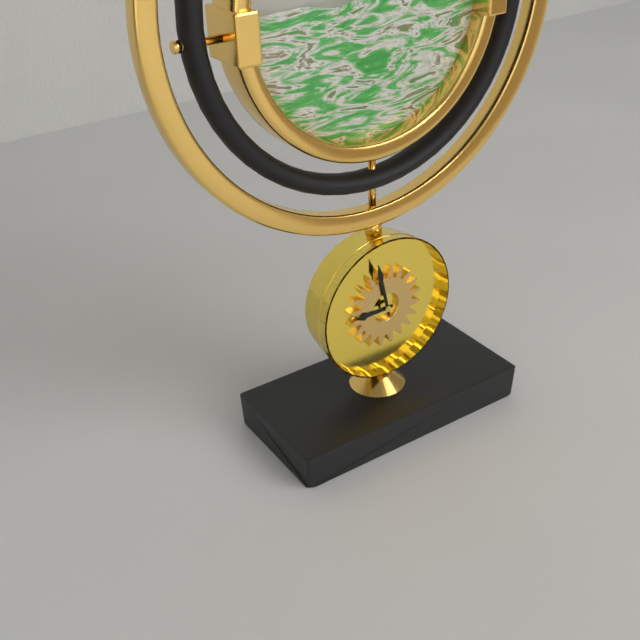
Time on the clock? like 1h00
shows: 8h58
